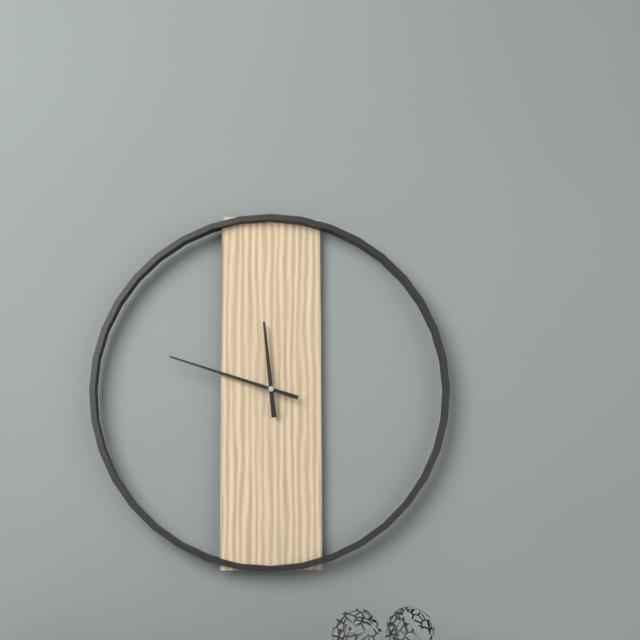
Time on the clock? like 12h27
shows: 11h48
